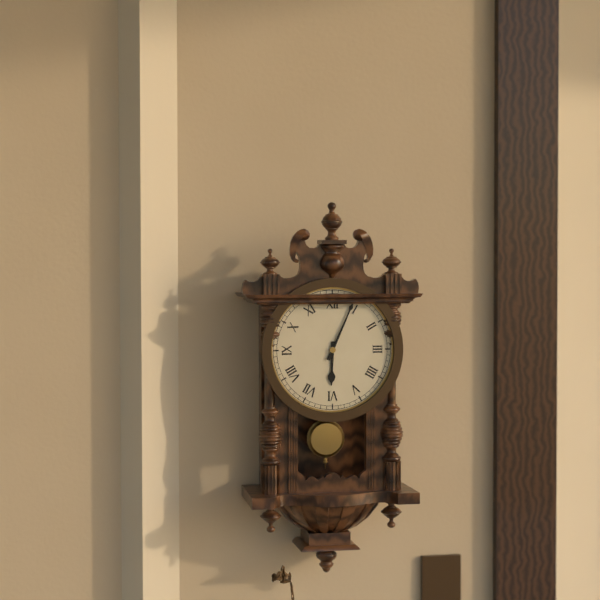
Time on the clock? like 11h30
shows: 6h04
